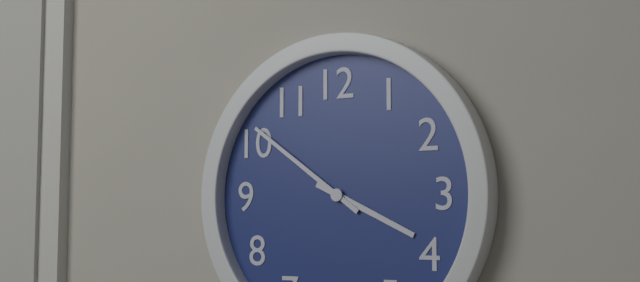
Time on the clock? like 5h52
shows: 3h51
